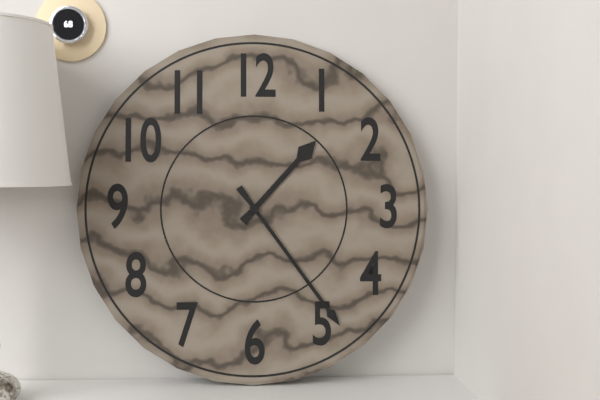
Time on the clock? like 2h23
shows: 1h24
